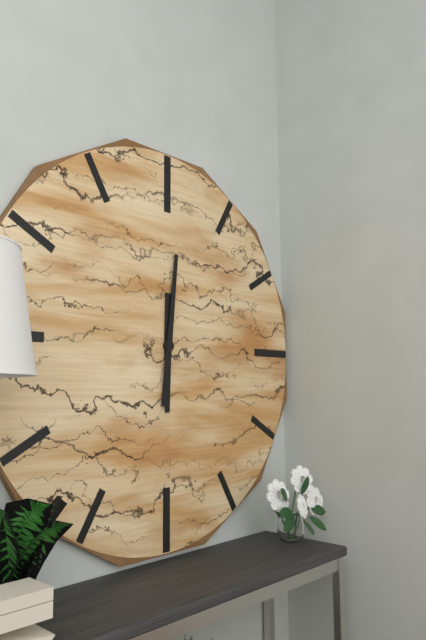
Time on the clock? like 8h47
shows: 6h01
